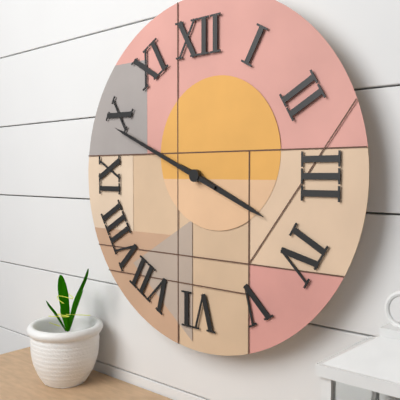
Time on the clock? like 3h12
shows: 3h49
